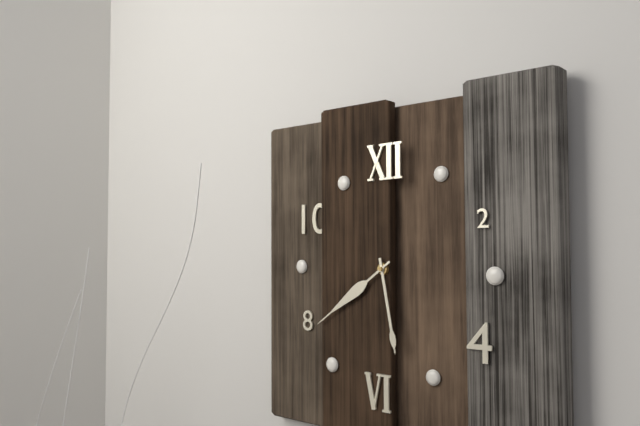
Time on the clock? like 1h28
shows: 5h39
